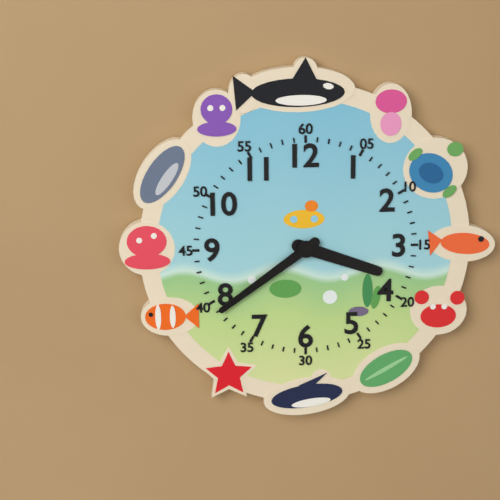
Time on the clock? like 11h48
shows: 3h39
